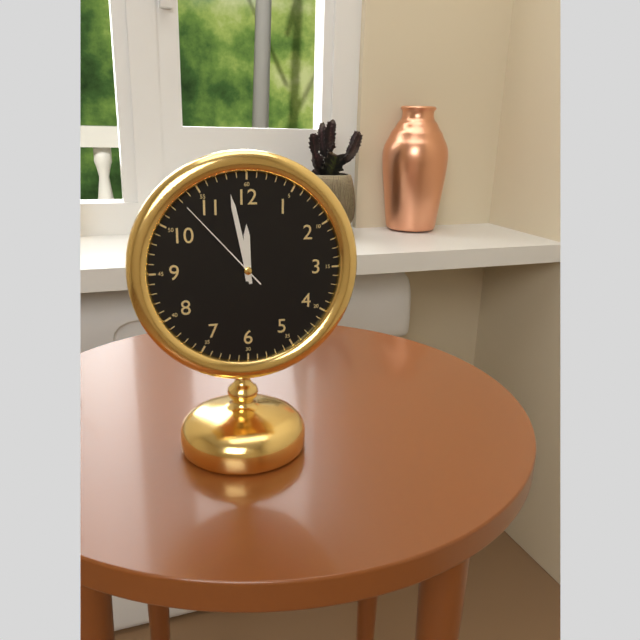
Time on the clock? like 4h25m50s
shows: 11h58m53s
